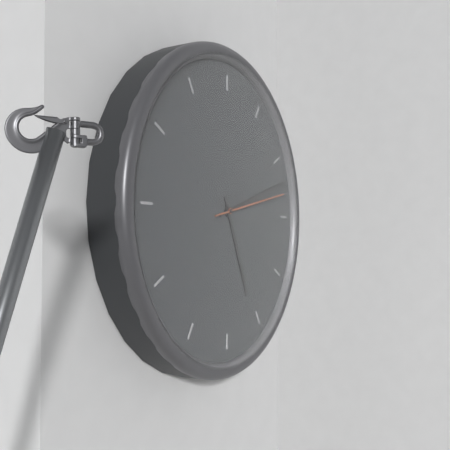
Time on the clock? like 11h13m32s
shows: 5h12m13s
